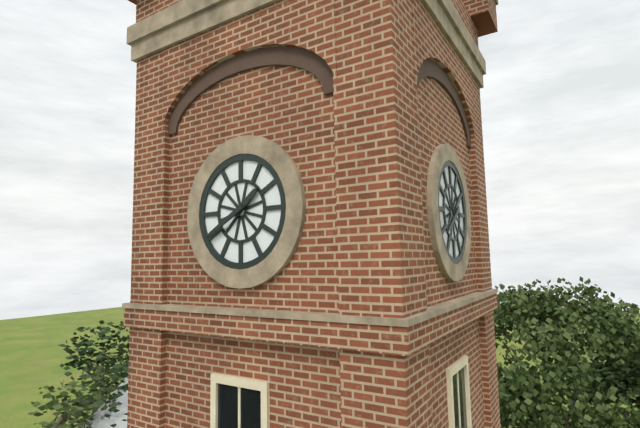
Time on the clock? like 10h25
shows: 1h40
